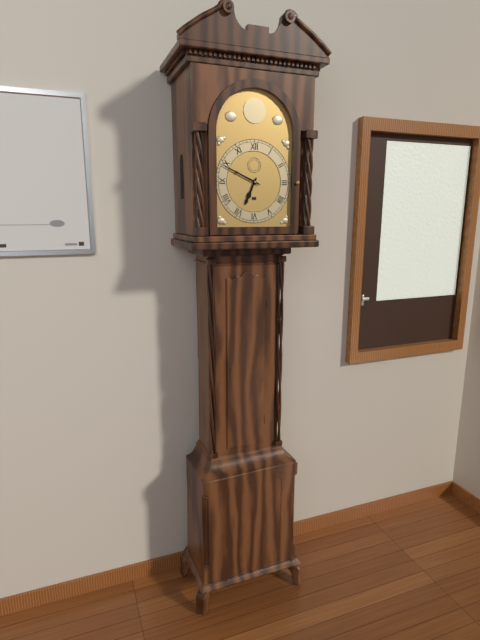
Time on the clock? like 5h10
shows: 6h49
